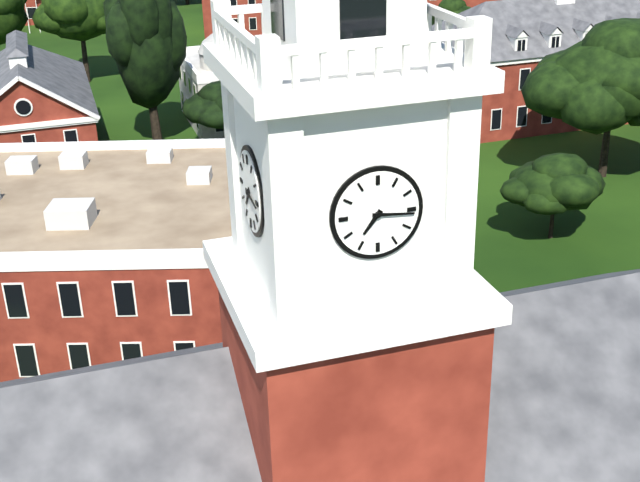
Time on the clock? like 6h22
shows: 7h16
